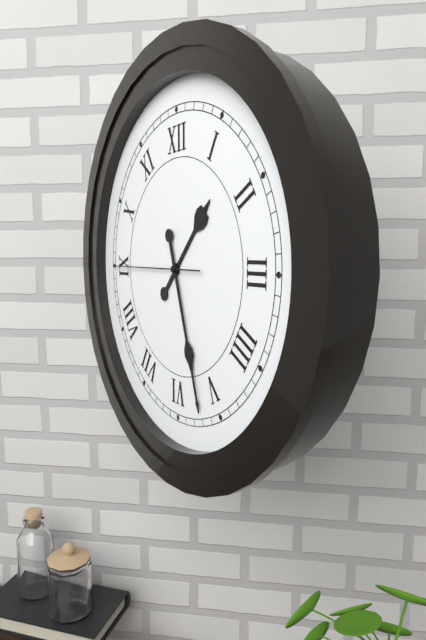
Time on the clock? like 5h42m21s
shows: 1h27m45s
